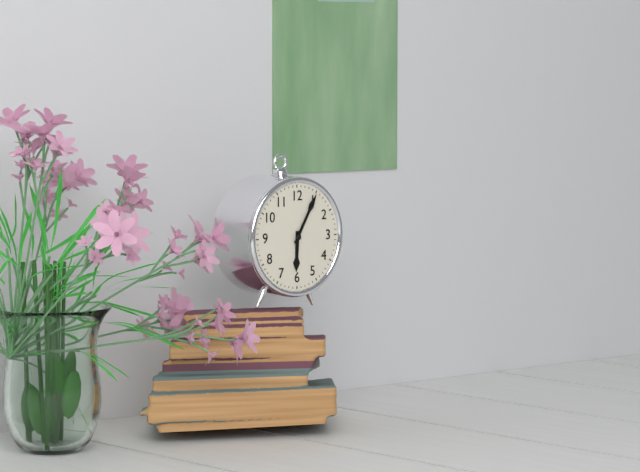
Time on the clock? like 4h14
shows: 6h05
